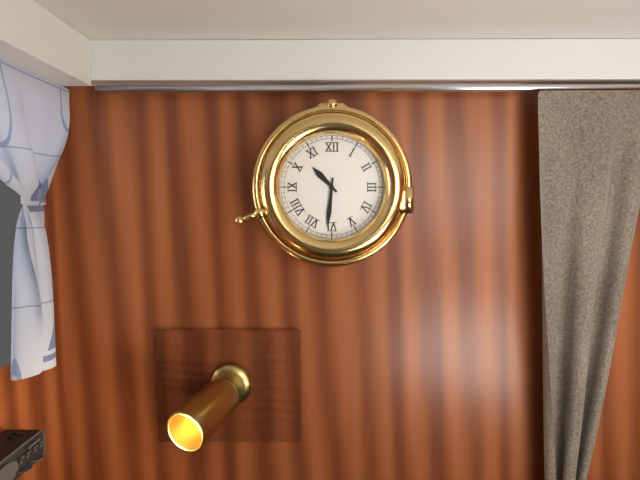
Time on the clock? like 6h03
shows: 10h31
